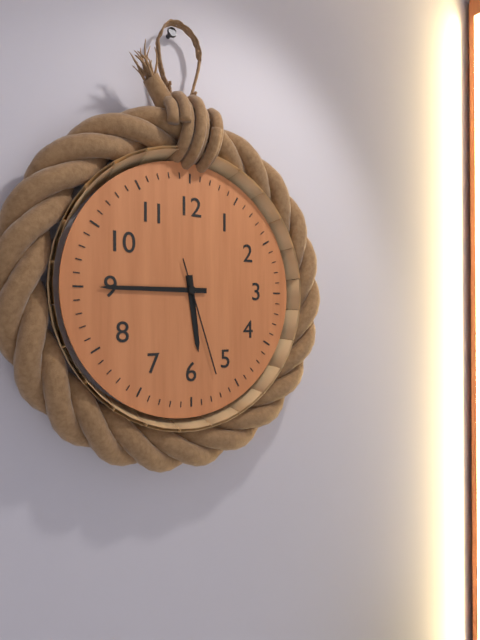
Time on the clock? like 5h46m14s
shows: 5h45m27s
